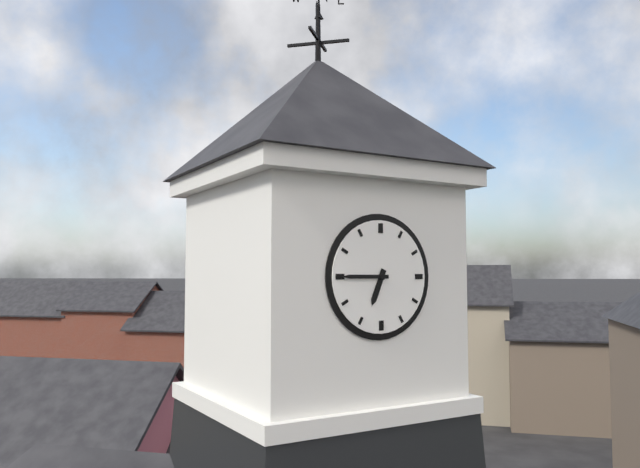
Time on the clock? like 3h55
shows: 6h45
